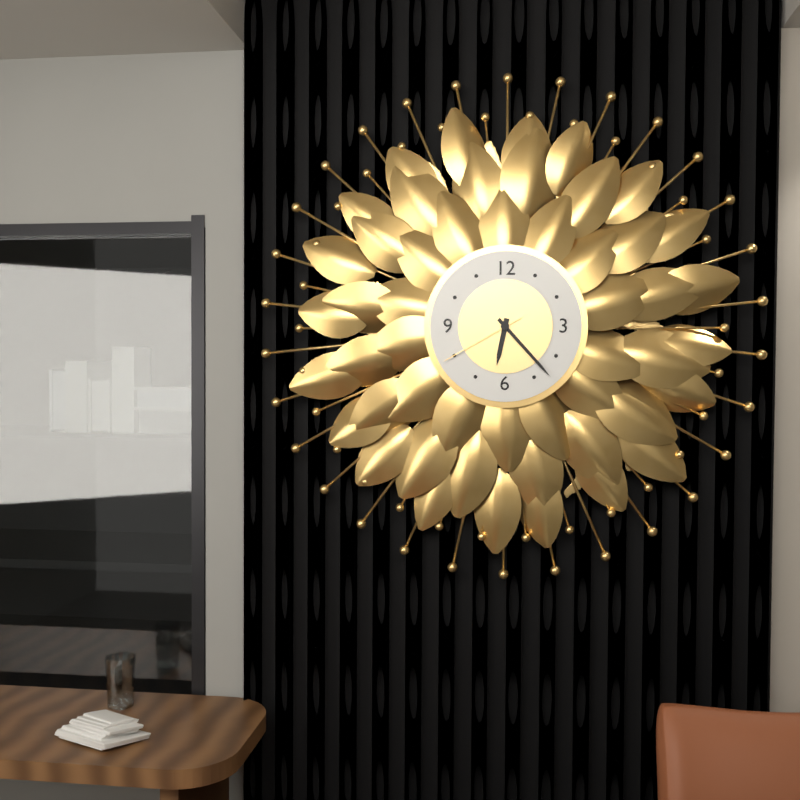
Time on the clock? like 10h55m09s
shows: 6h23m40s
